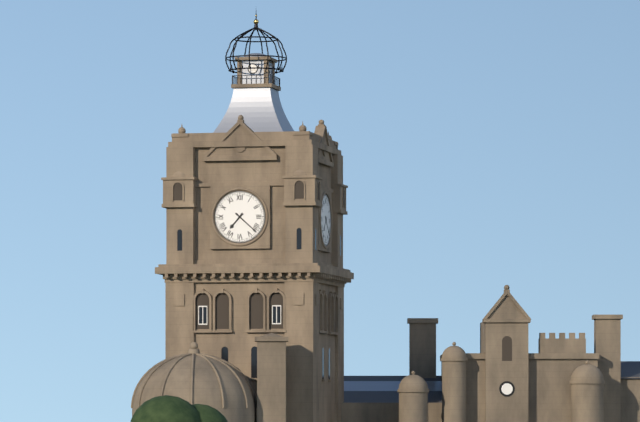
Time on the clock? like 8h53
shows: 7h22
